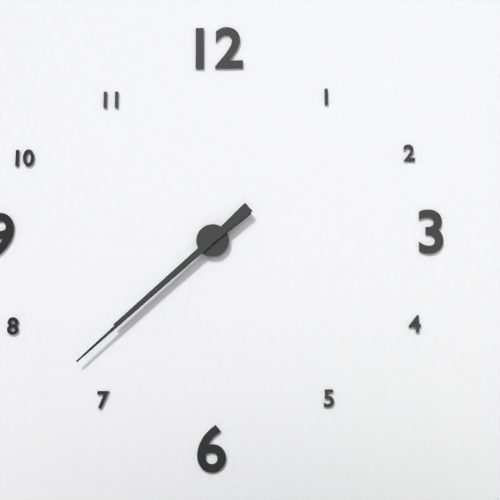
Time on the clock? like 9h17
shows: 7h38
